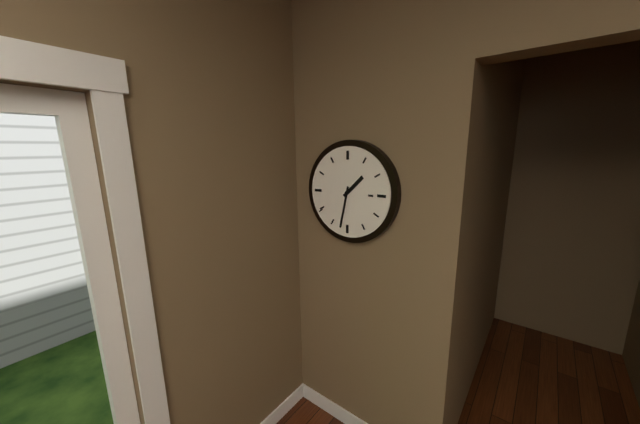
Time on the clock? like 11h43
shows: 1h32
